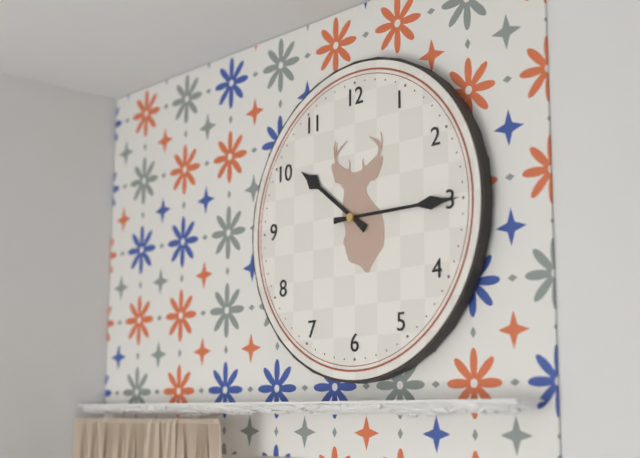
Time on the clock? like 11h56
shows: 10h15
